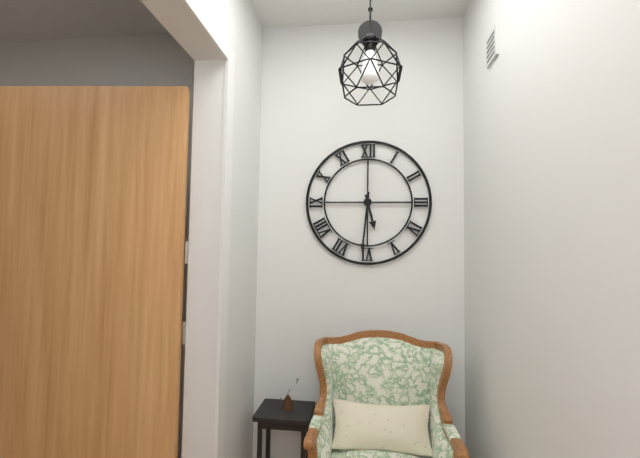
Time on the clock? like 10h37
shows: 5h31
